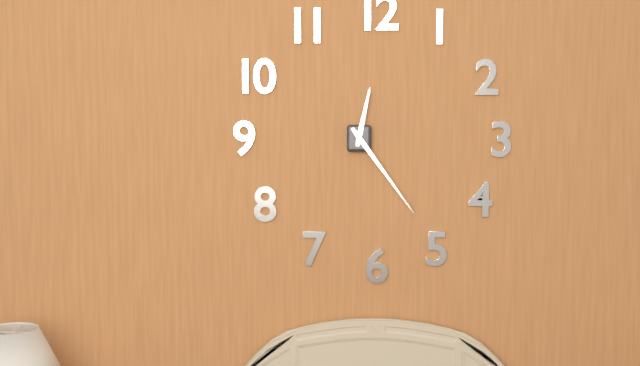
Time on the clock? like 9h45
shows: 12h24
